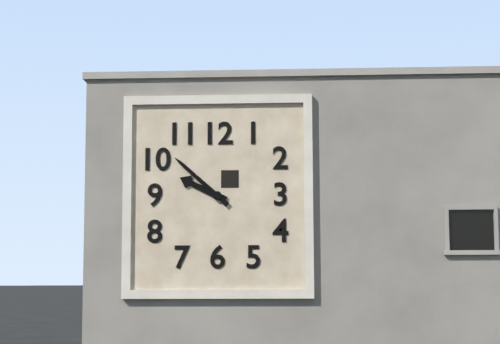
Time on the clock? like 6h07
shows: 9h52
